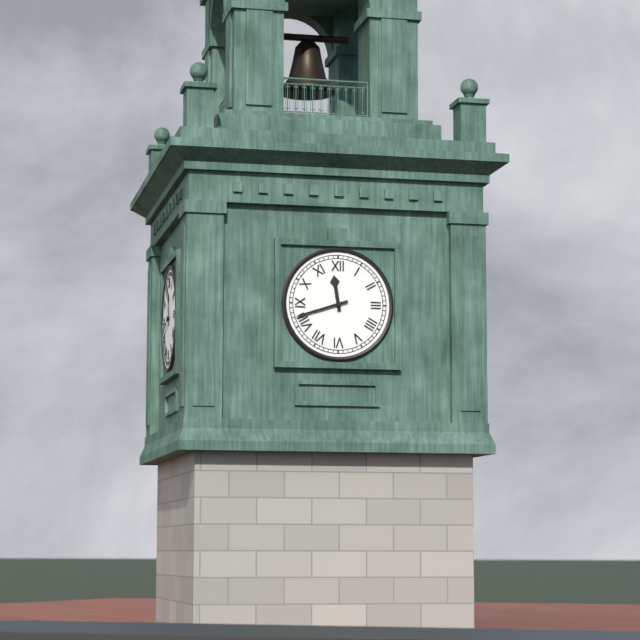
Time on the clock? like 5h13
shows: 11h42
